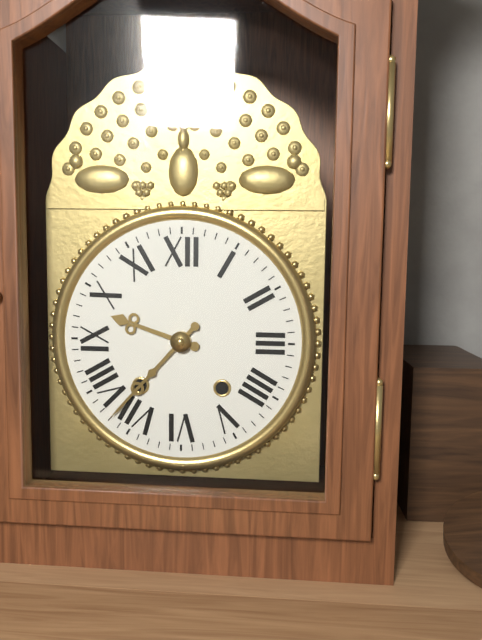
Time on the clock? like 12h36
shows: 9h37
